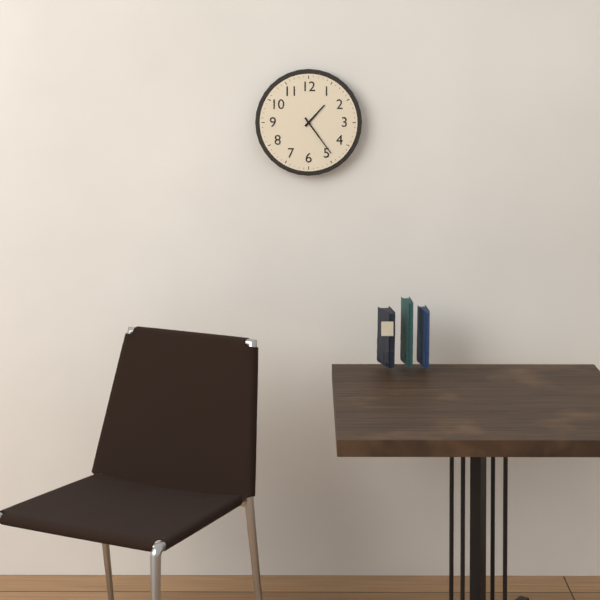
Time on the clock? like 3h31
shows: 1h24
